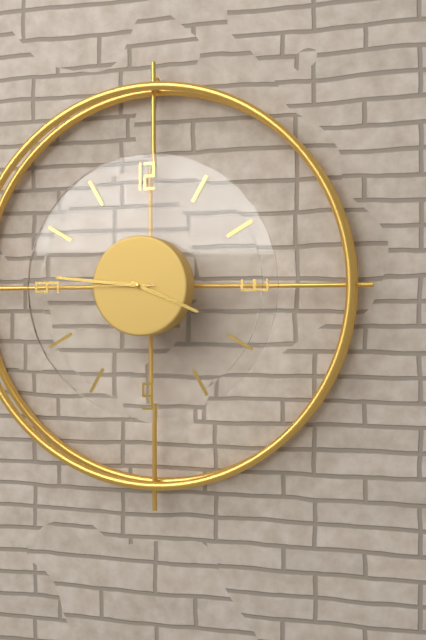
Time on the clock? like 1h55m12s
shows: 3h46m45s
